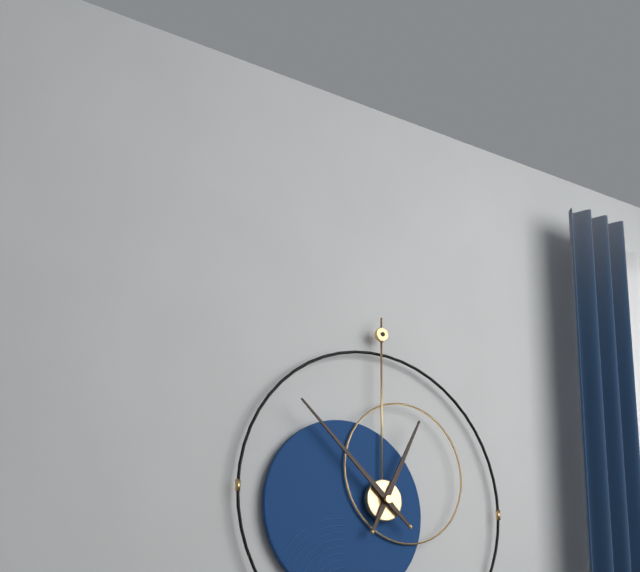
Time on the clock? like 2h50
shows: 12h52
